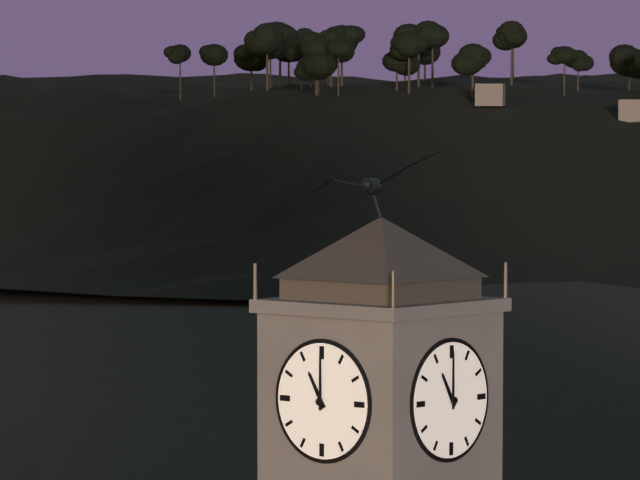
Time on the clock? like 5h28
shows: 11h00
